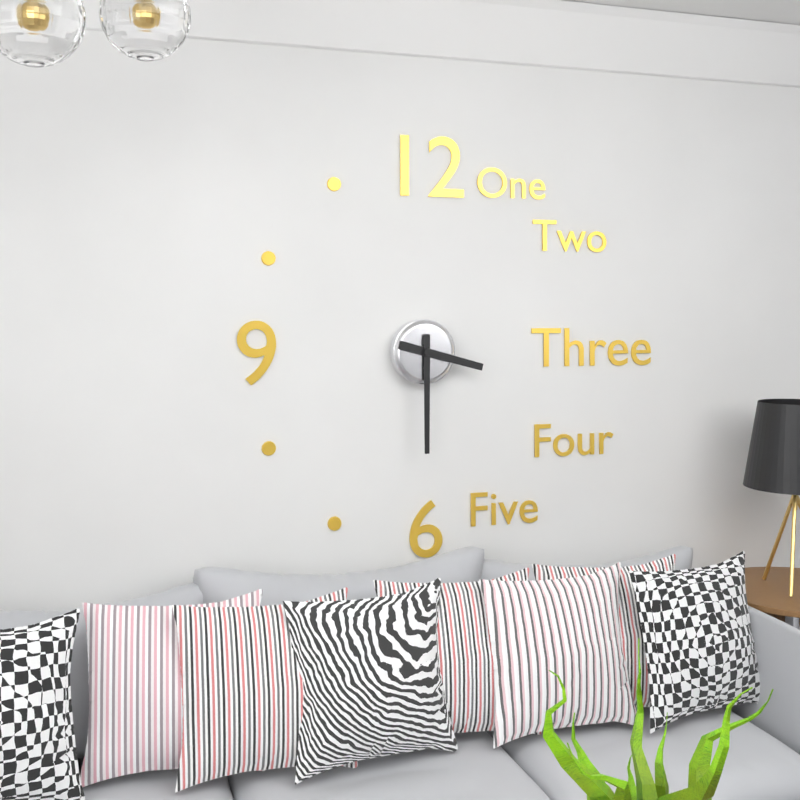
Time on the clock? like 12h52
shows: 3h30
